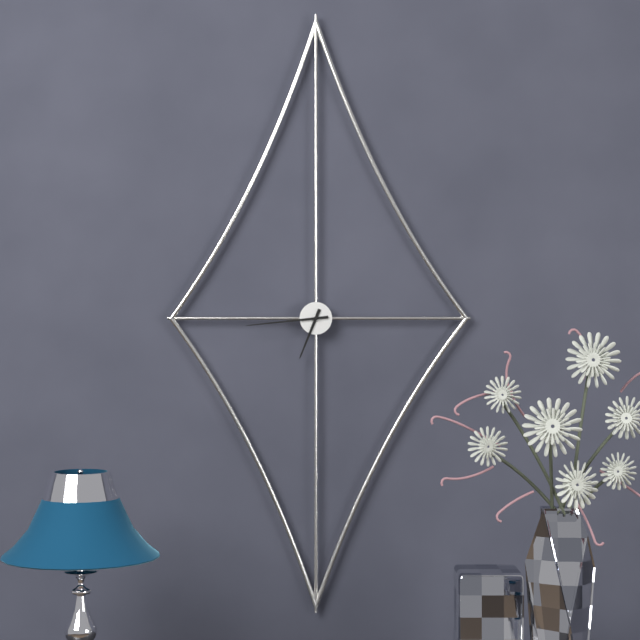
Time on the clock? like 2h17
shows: 6h44
